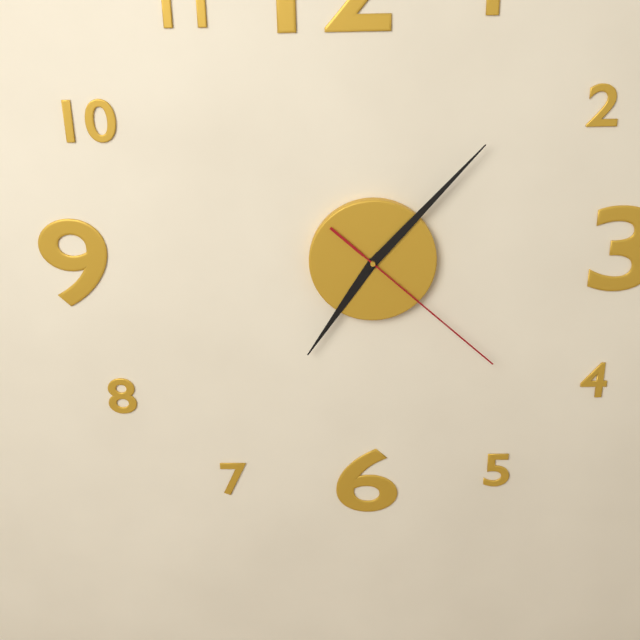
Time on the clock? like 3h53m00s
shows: 7h07m22s
